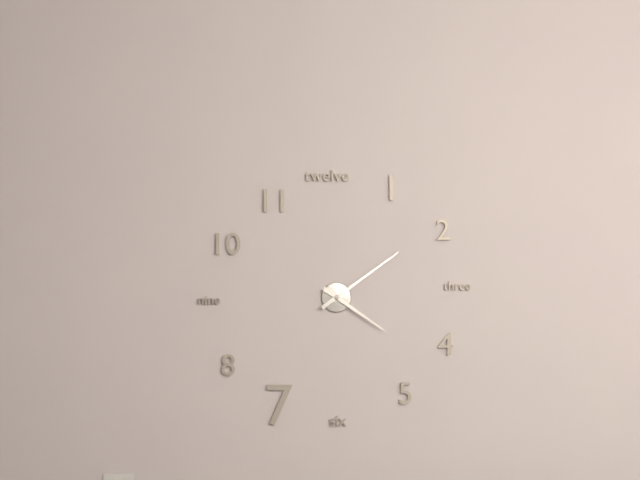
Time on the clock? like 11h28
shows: 4h09
